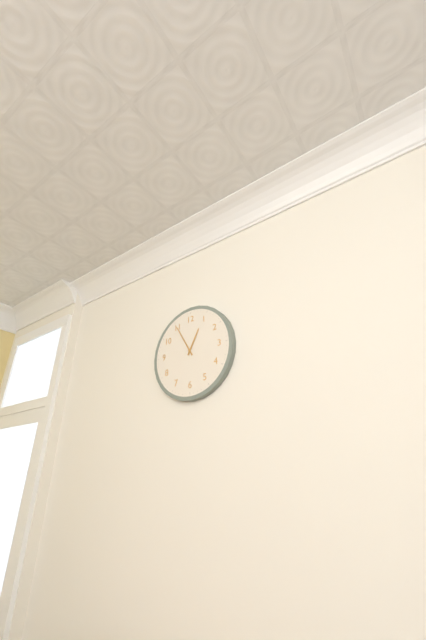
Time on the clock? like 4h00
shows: 12h55
